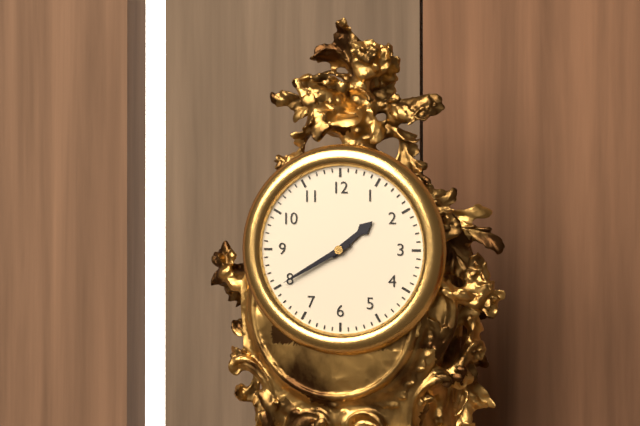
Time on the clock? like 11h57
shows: 1h40
